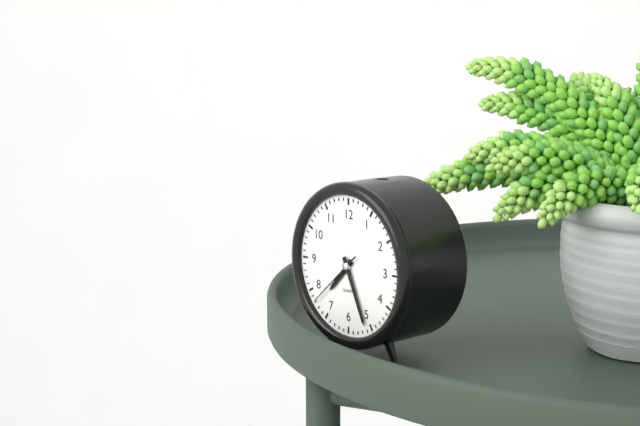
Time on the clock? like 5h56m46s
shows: 7h26m38s
